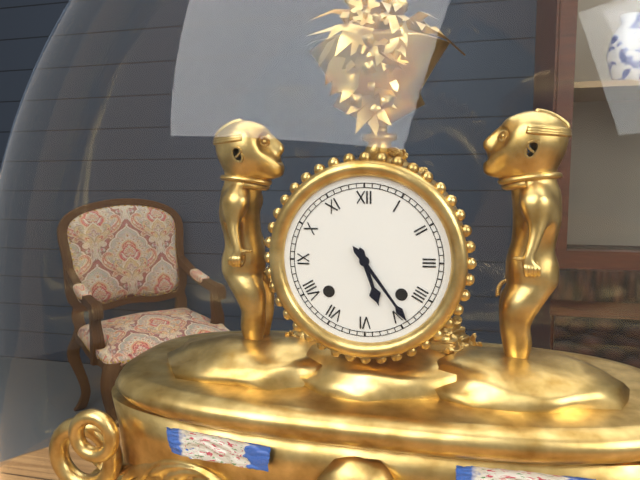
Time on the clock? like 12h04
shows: 5h24
